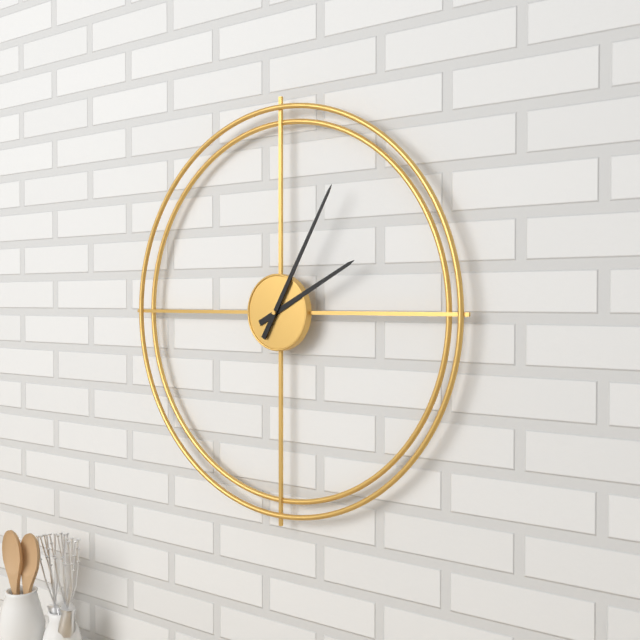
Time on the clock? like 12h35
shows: 2h05
